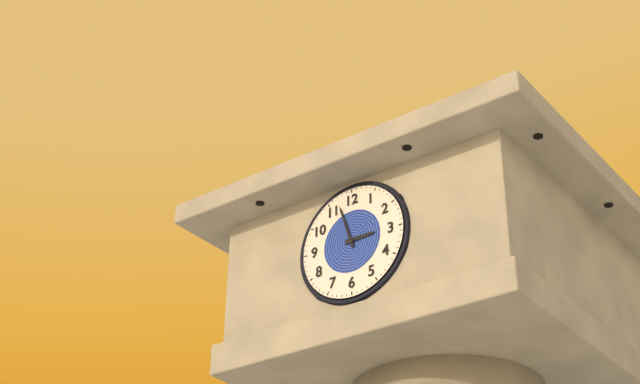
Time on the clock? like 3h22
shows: 2h57
